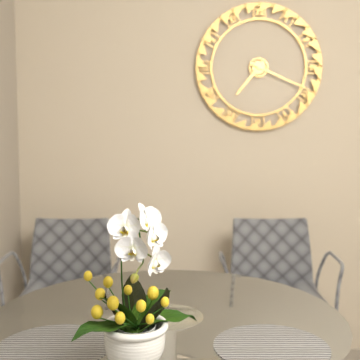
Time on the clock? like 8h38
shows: 7h19
